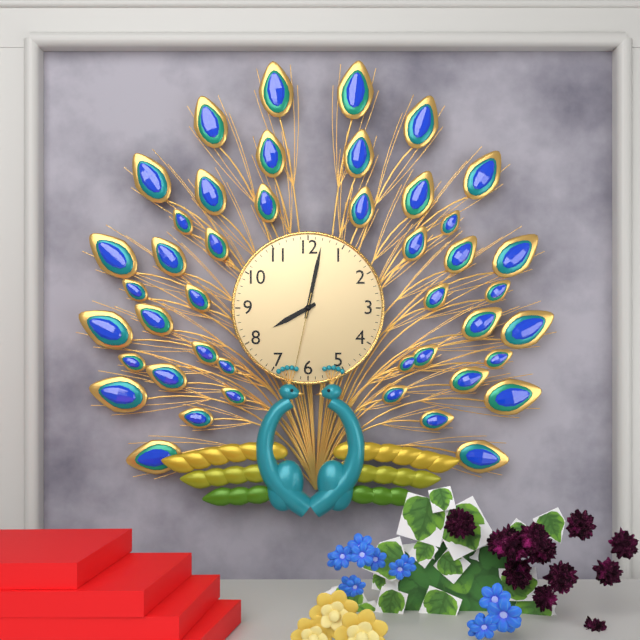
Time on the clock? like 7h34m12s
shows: 8h02m32s
